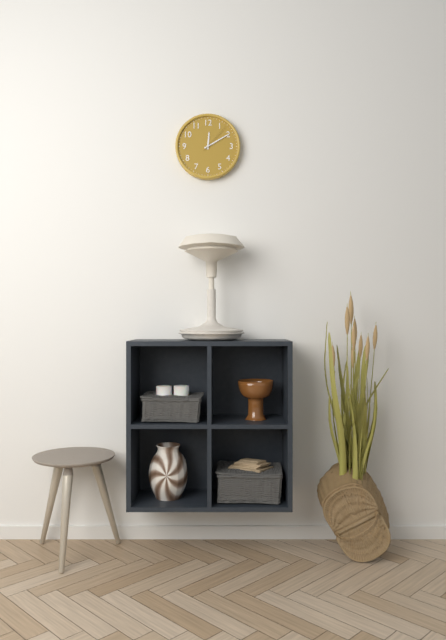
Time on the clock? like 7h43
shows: 12h10
